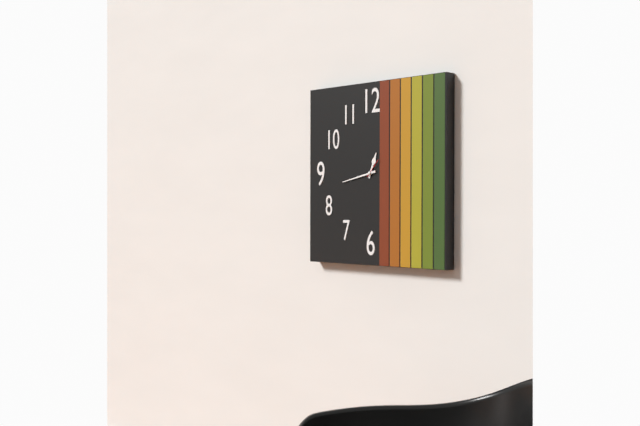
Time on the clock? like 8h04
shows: 12h43
